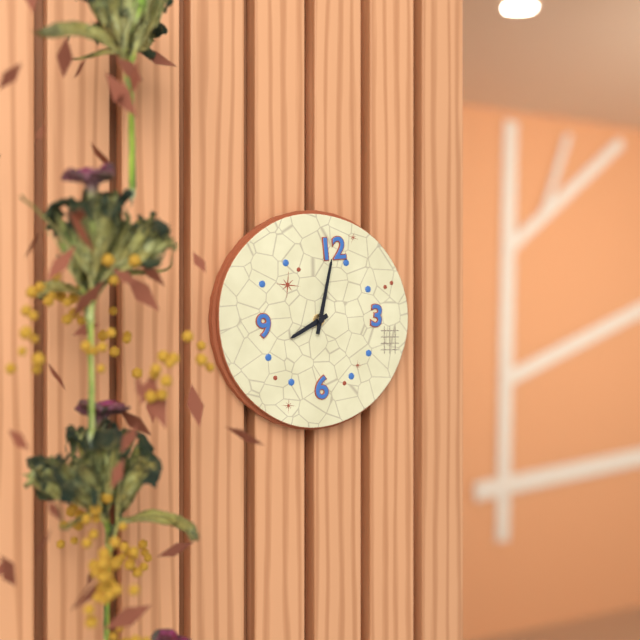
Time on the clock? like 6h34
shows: 8h02
